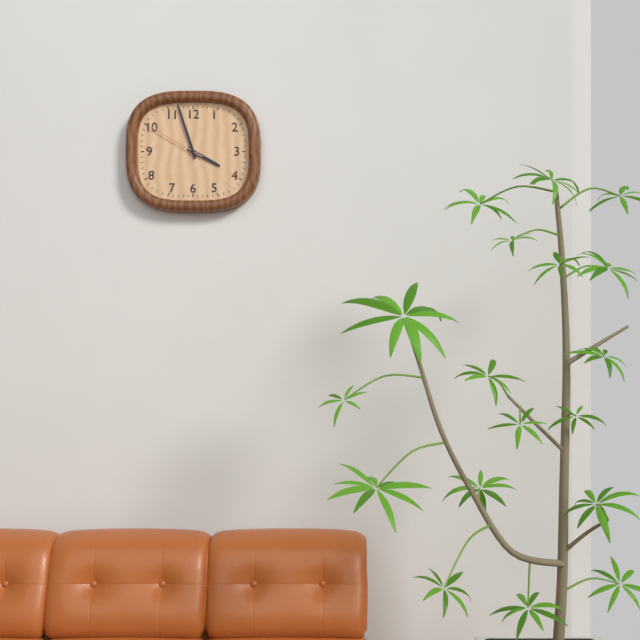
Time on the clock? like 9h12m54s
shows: 3h57m50s
